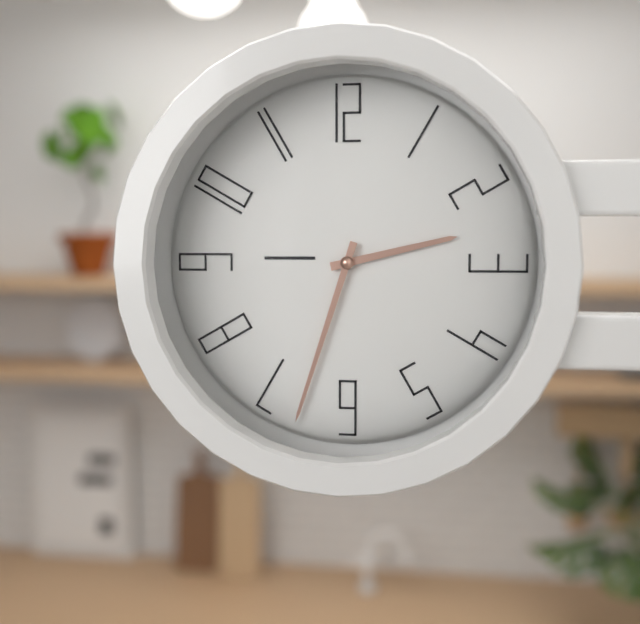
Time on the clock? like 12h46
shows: 2h33
